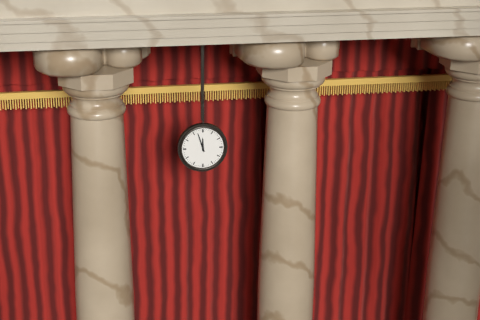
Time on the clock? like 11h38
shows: 11h57
